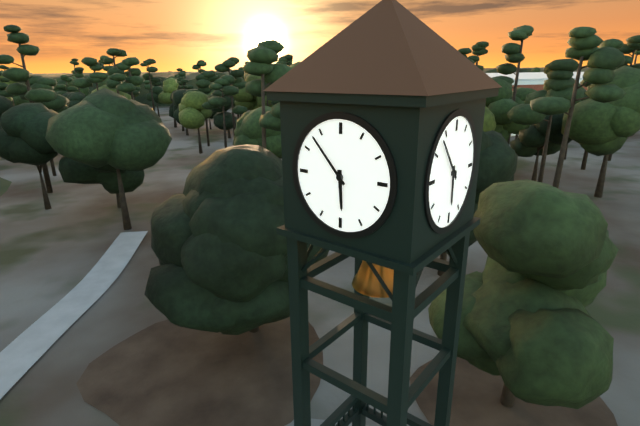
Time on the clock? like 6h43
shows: 5h53
